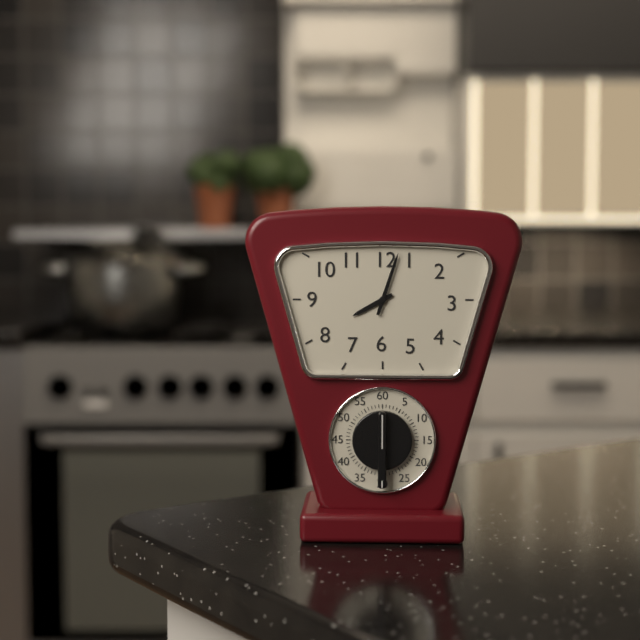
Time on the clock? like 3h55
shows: 8h03
